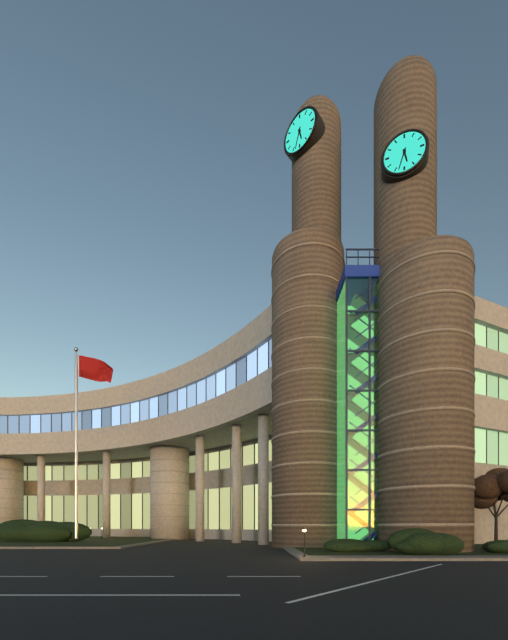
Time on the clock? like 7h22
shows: 5h33
